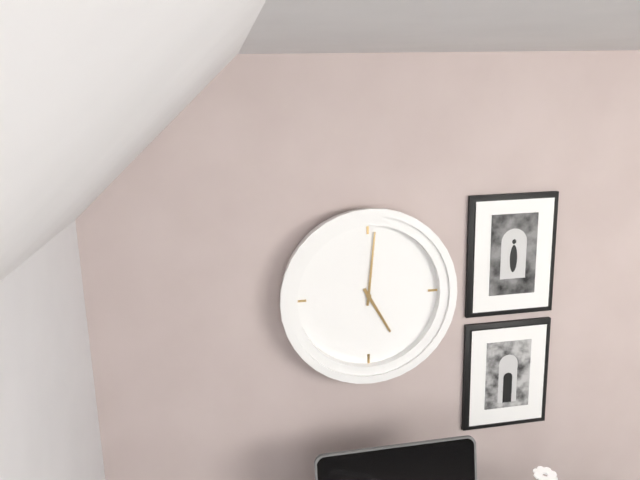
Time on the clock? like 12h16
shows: 5h01
